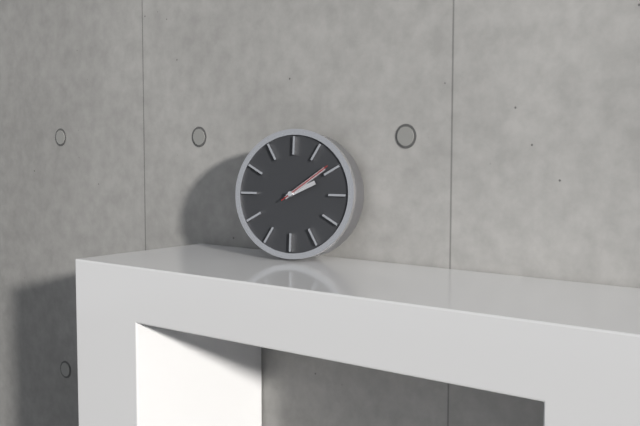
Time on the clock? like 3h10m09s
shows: 2h09m09s
